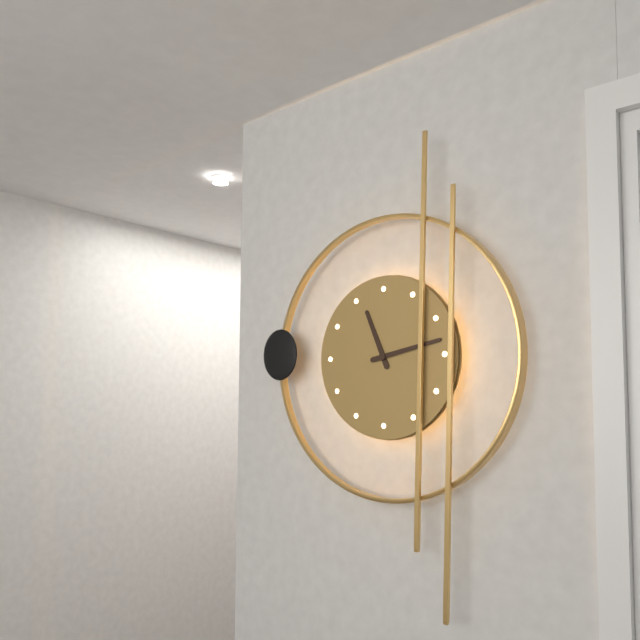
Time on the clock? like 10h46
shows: 11h13
